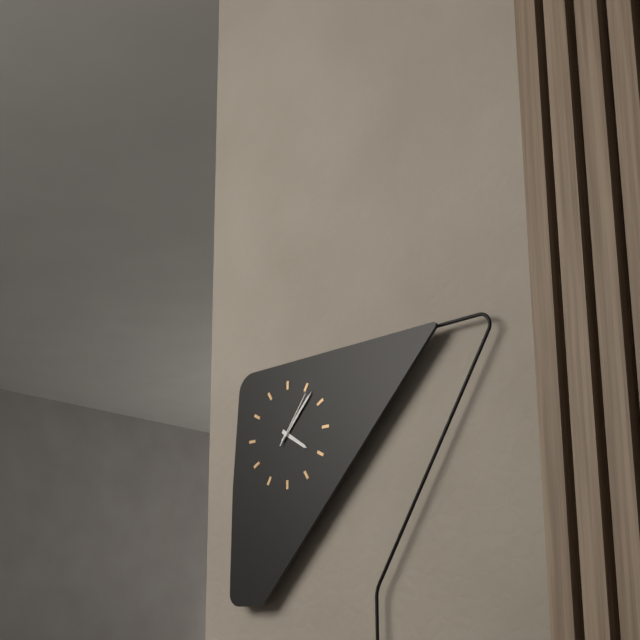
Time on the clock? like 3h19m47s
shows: 4h07m06s
